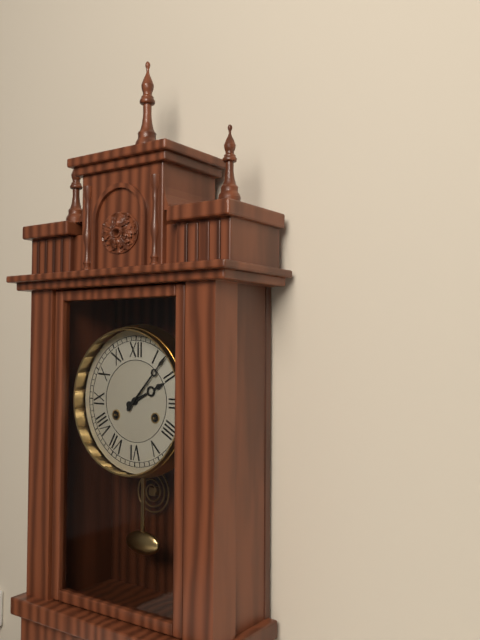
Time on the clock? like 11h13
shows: 2h07
